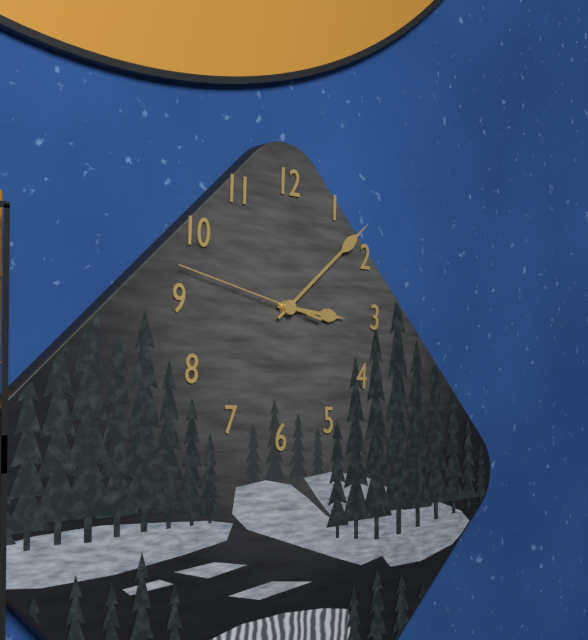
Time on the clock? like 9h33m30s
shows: 3h08m47s
